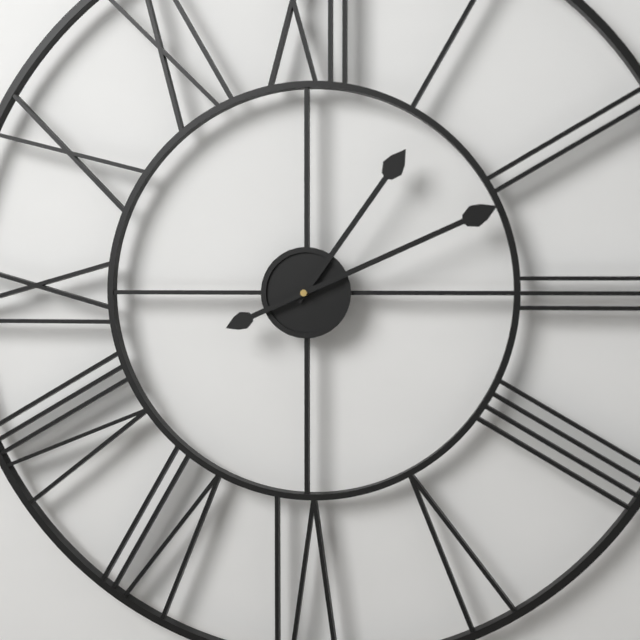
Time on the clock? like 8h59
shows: 1h11
